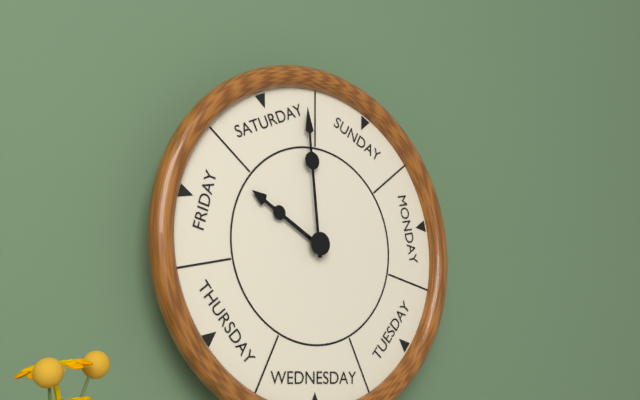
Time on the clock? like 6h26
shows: 9h59
